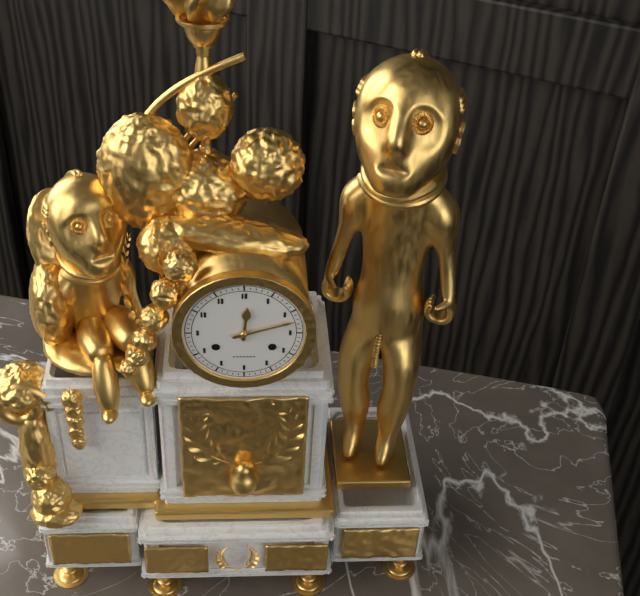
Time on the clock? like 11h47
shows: 12h12
